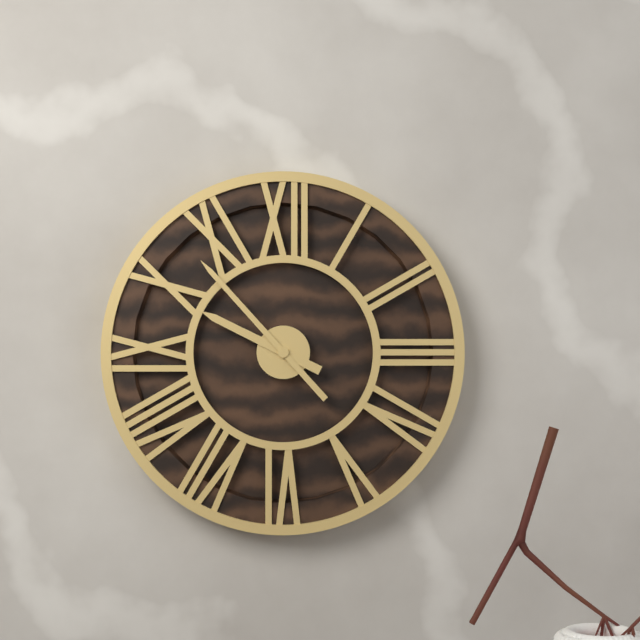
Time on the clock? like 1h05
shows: 9h53
